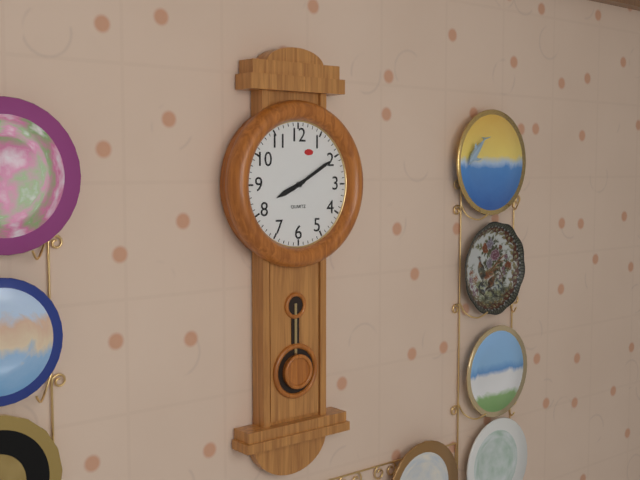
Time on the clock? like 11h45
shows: 8h10
